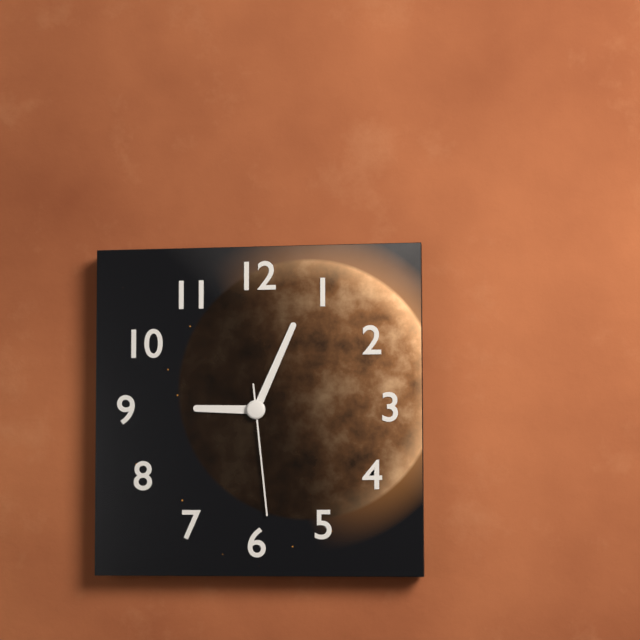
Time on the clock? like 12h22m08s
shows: 9h04m29s
